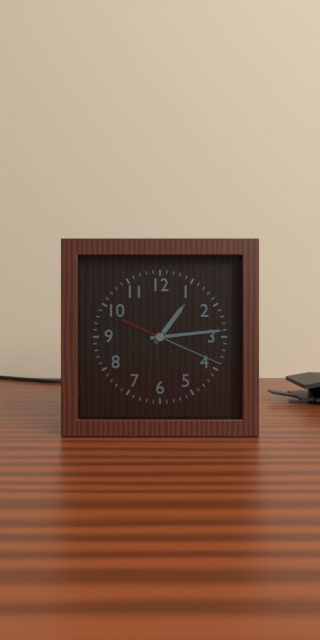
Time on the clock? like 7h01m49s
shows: 1h14m19s
